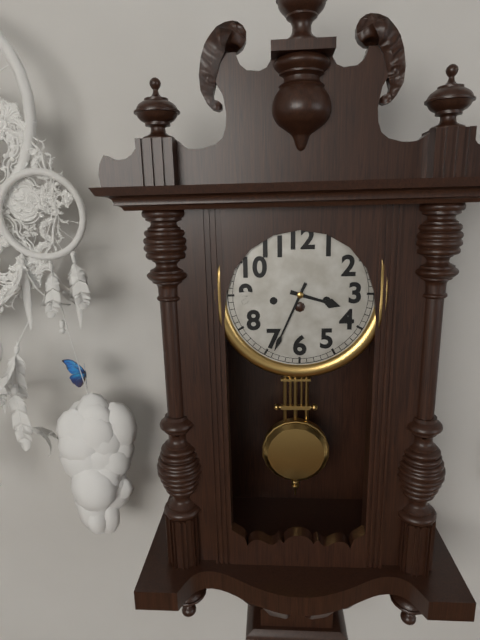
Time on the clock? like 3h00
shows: 3h34
